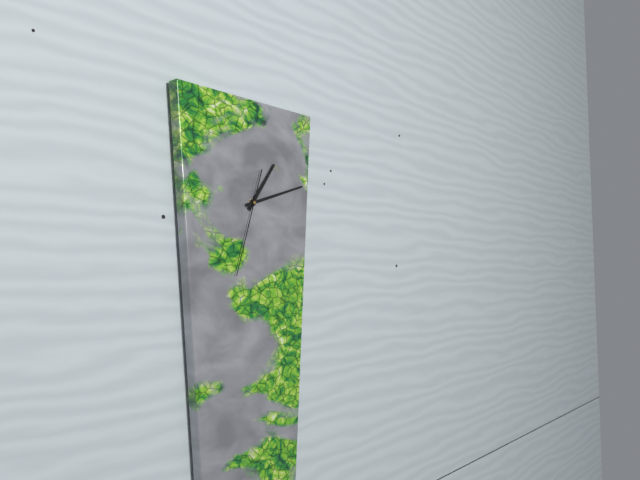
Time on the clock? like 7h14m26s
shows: 1h12m33s
